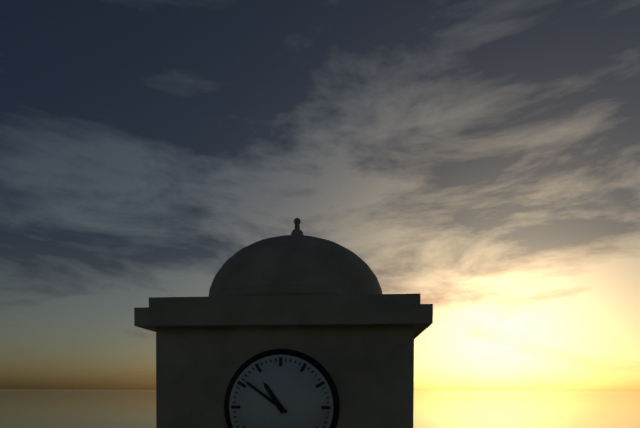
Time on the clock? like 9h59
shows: 10h51
